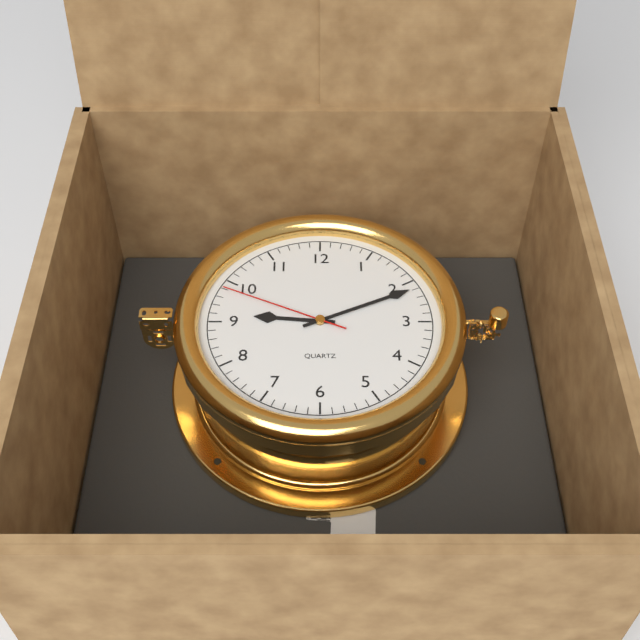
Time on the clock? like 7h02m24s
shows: 9h11m49s
